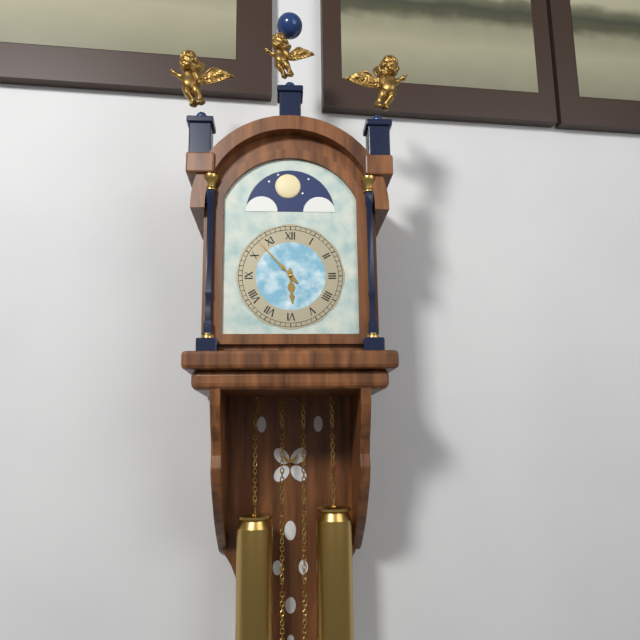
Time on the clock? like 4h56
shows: 5h53
